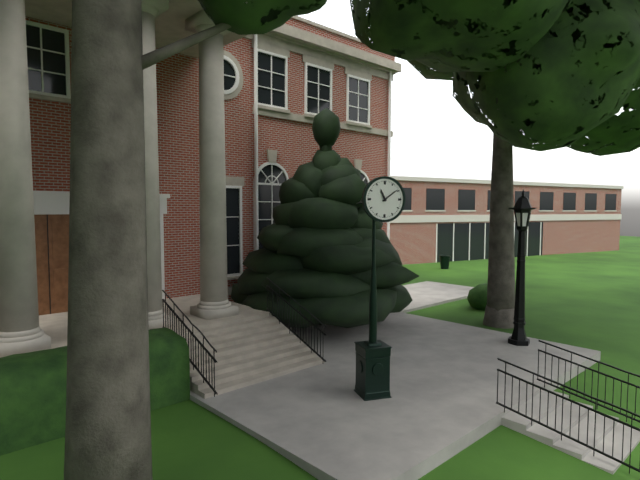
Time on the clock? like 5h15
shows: 11h09
